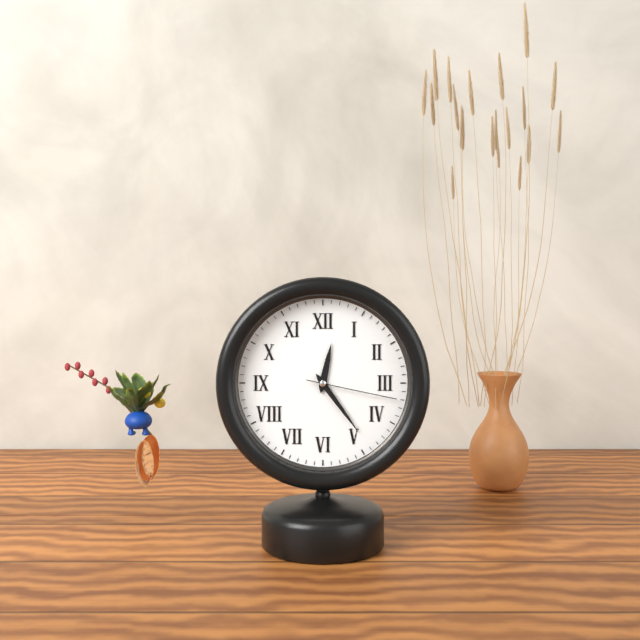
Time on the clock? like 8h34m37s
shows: 12h24m17s
